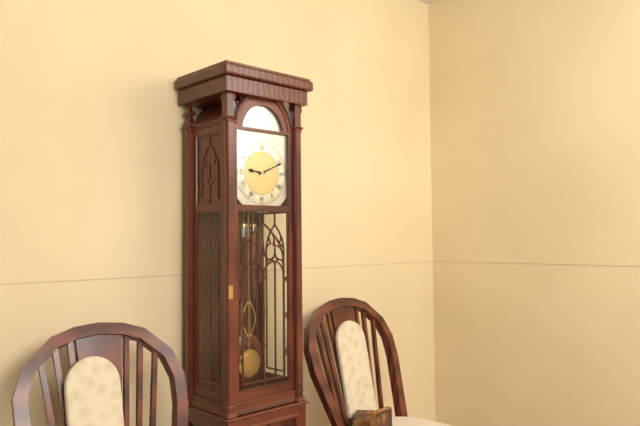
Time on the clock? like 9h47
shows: 9h11
